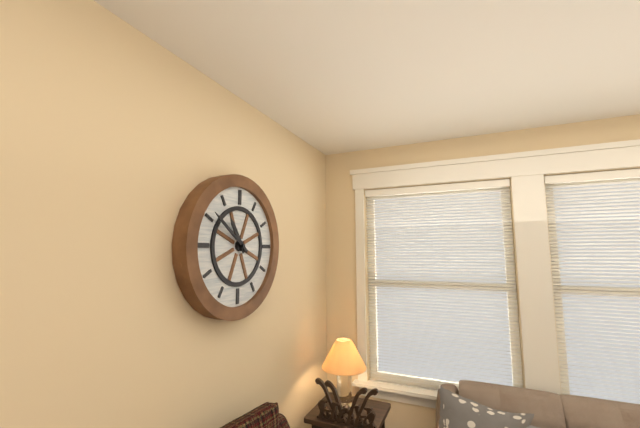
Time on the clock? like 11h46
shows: 10h51
